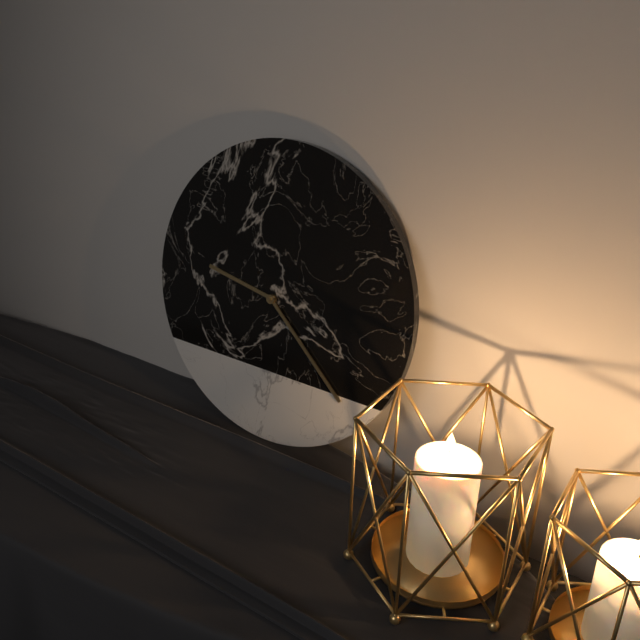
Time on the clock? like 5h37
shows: 9h22
